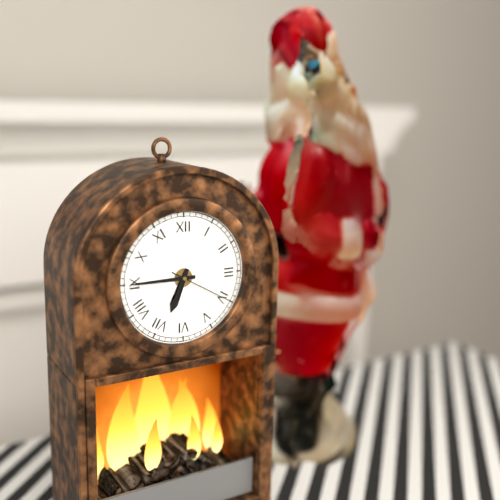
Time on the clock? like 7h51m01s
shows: 6h45m20s
